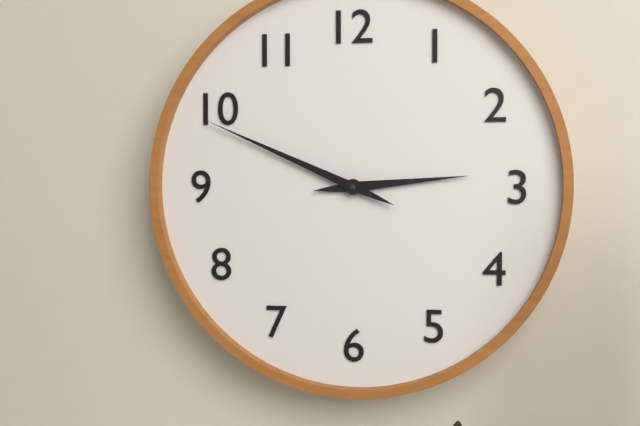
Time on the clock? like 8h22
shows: 2h49
